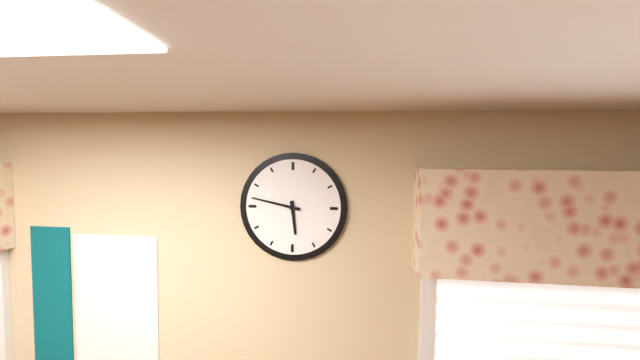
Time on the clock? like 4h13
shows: 5h47
